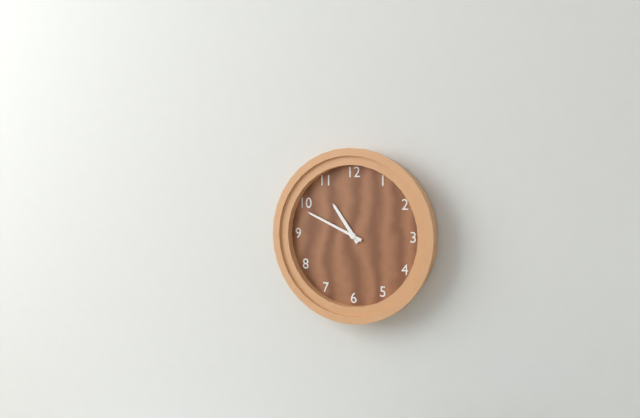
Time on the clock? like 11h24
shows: 10h49
